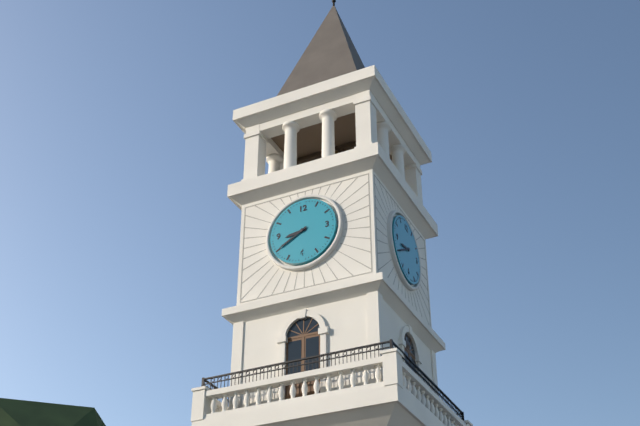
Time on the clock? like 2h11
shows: 8h40
